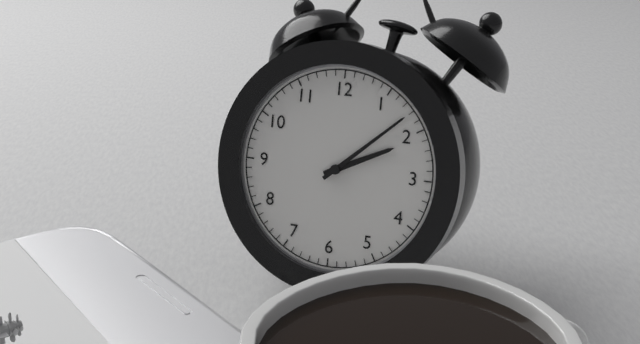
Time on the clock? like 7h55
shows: 2h08
